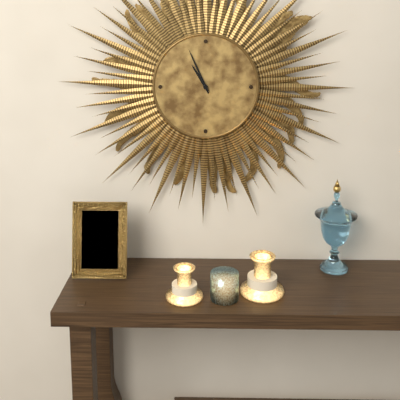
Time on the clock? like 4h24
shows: 10h56
